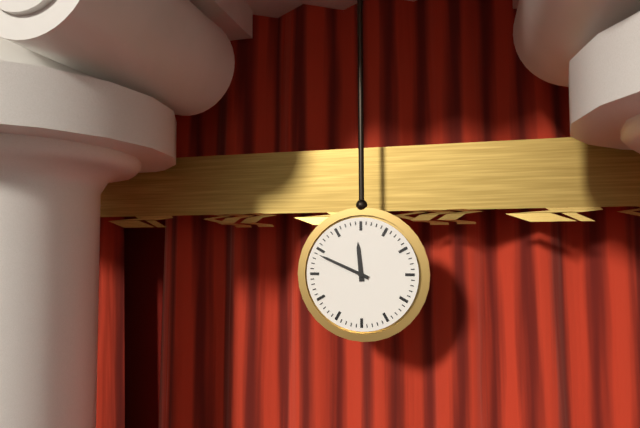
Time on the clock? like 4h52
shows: 11h49
